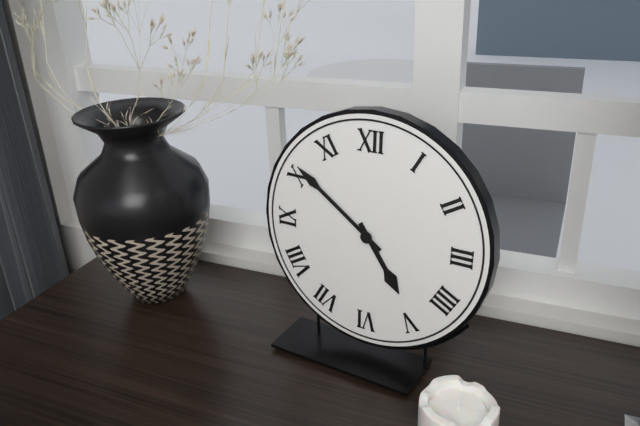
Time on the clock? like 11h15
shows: 4h51
